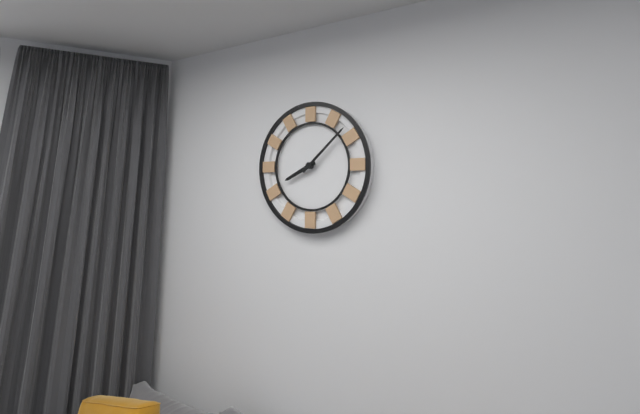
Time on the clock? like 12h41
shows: 8h08
